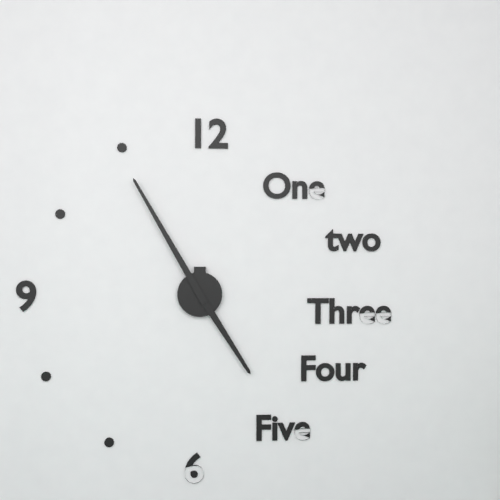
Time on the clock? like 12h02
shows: 4h55
